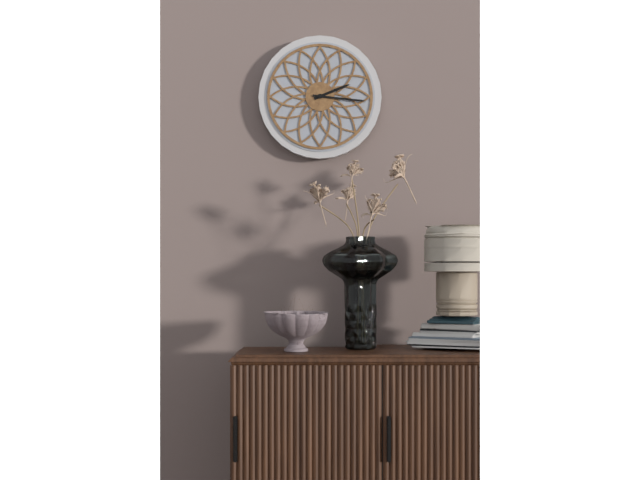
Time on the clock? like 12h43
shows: 2h16
